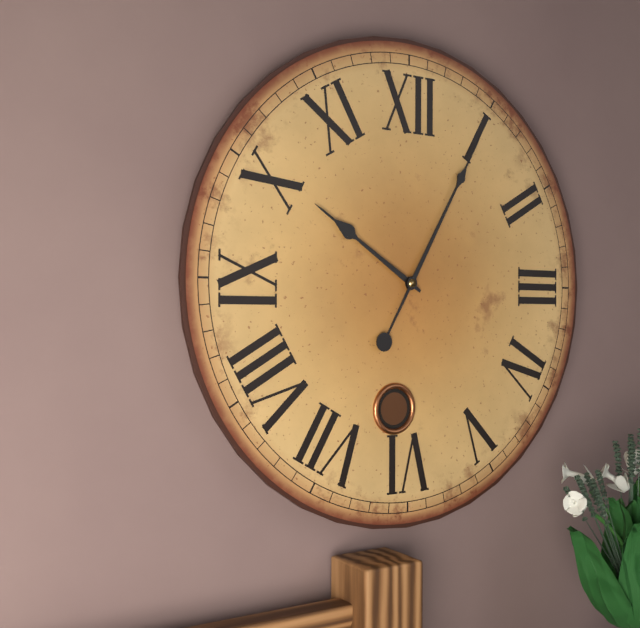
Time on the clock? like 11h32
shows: 10h05
